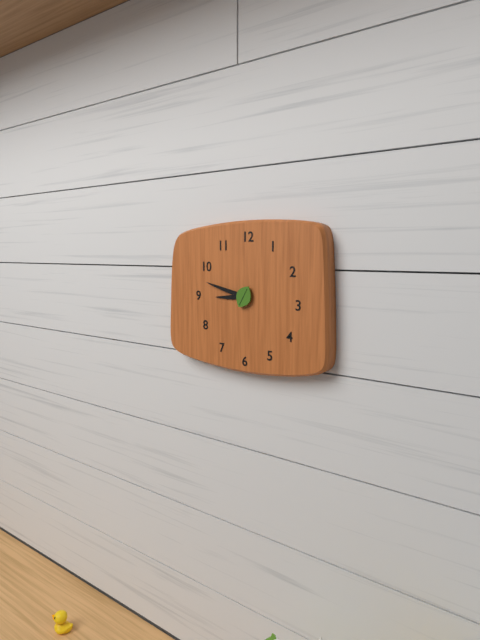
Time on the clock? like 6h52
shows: 8h47
